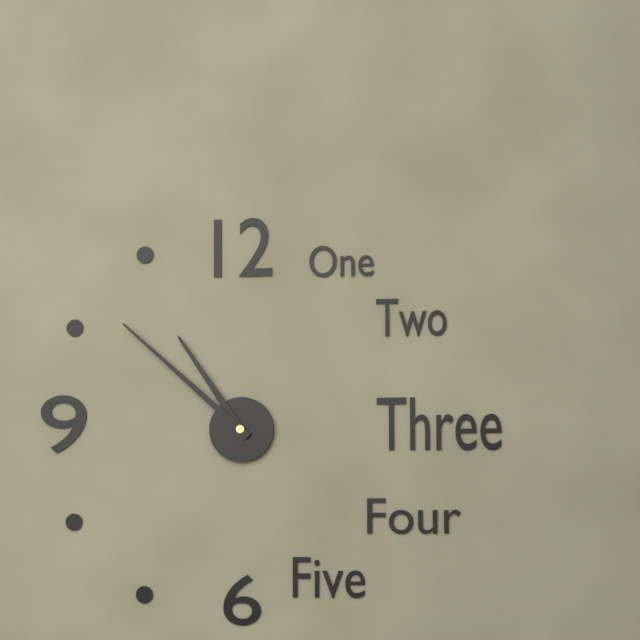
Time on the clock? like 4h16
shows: 10h52
